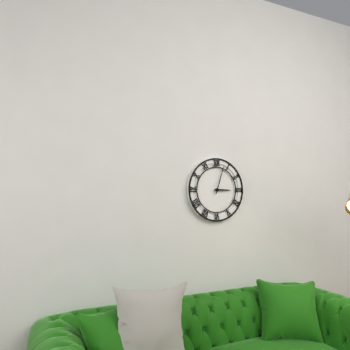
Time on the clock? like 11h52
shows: 3h03
